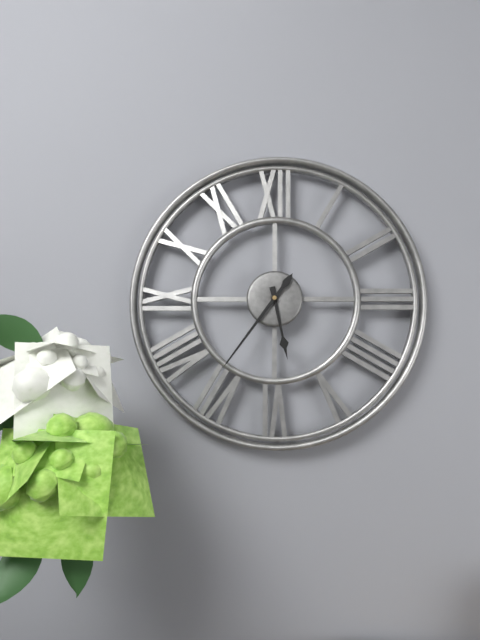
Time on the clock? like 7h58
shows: 5h36
